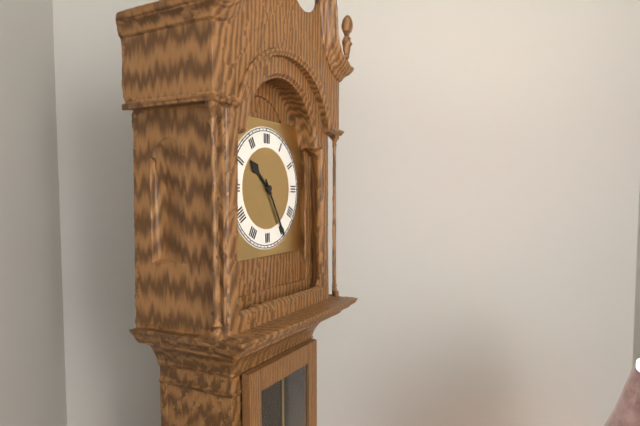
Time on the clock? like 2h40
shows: 10h25
